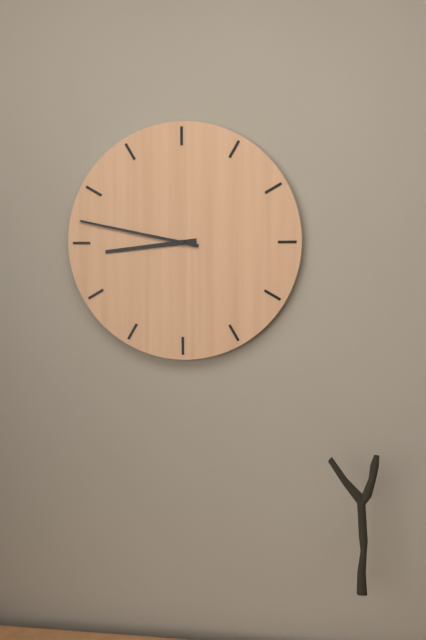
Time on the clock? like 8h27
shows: 8h47
